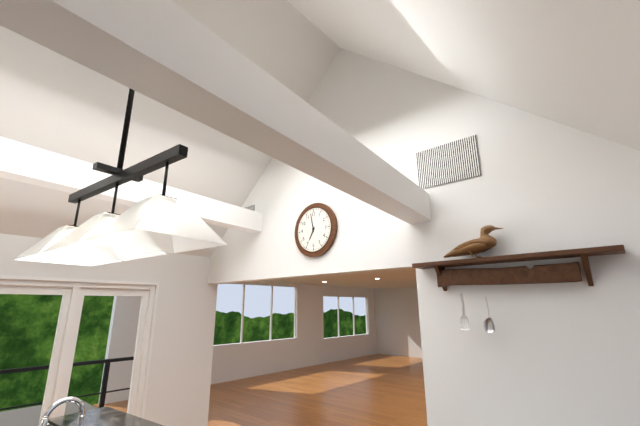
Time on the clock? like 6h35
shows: 6h58
